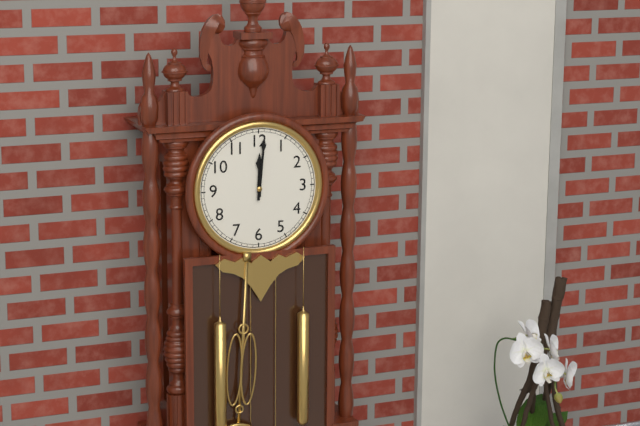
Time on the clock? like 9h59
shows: 12h01
